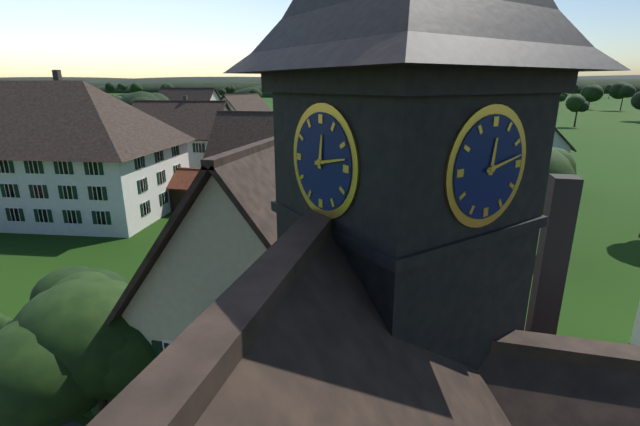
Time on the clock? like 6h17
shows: 12h13
